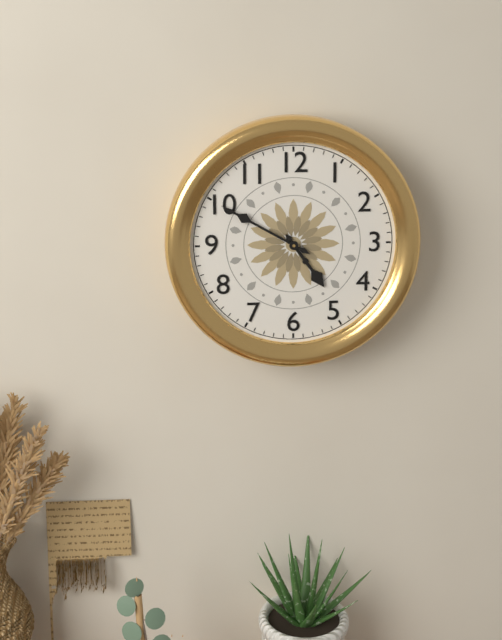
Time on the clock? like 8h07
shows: 4h50
